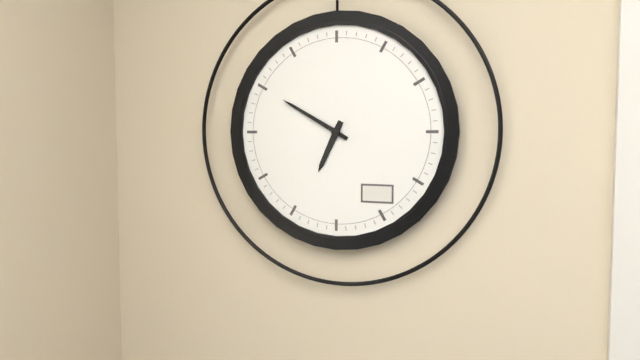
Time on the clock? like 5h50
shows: 6h50
